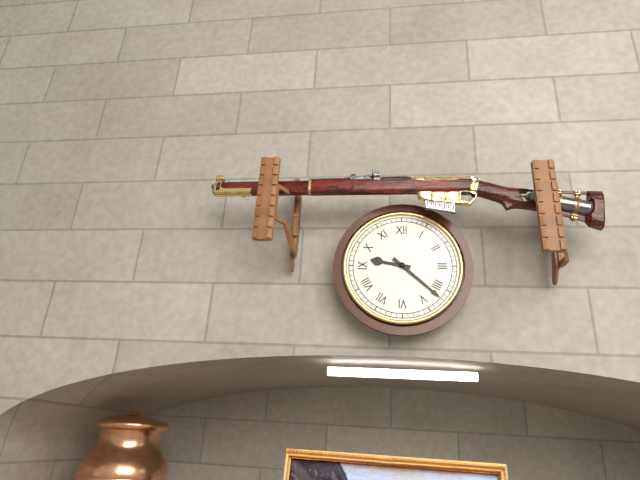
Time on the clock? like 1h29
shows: 9h22
